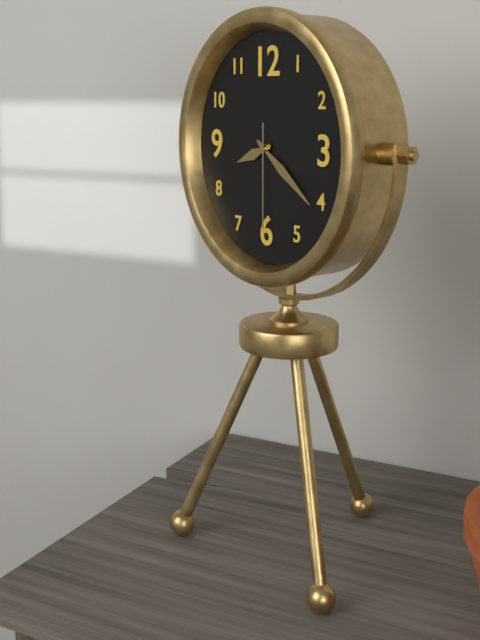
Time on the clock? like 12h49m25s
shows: 8h21m30s
